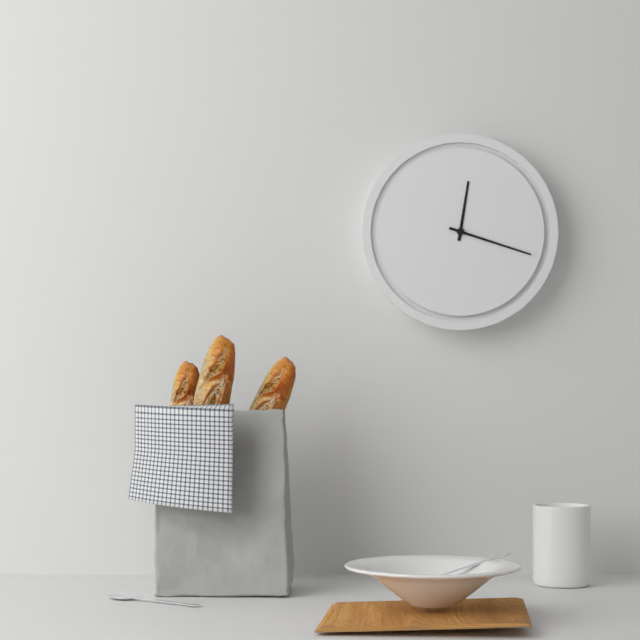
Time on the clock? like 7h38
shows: 12h18
